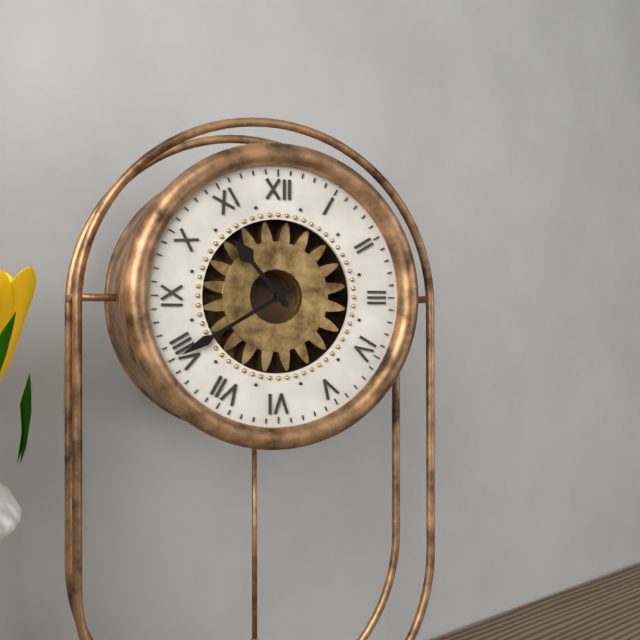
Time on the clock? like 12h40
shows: 10h40
